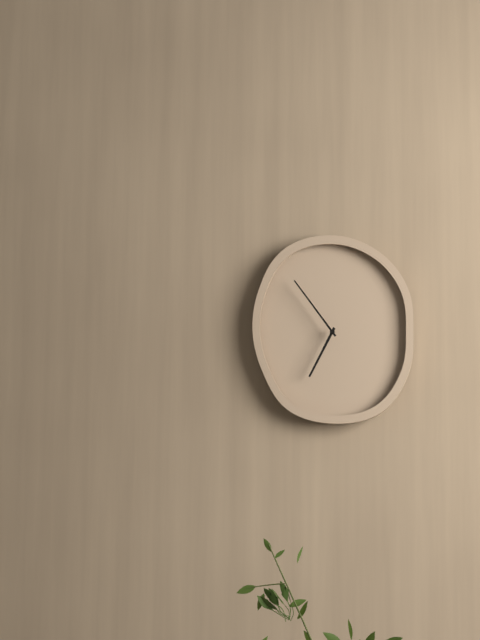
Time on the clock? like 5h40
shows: 6h54
